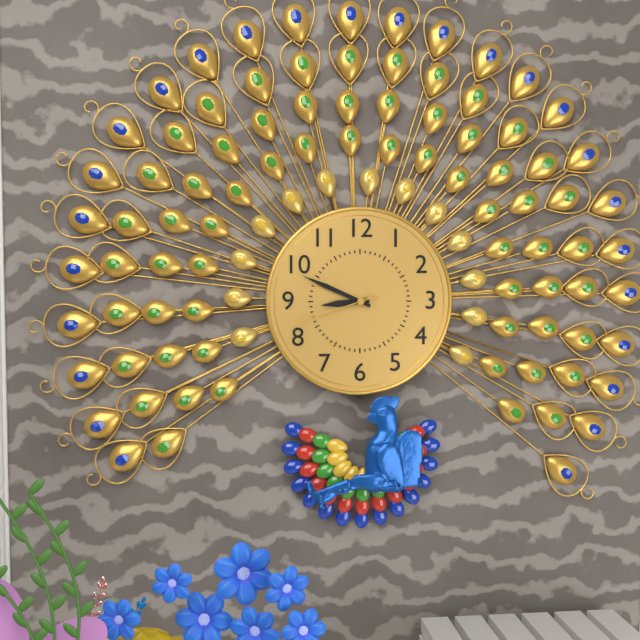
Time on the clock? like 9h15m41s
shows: 8h49m42s
